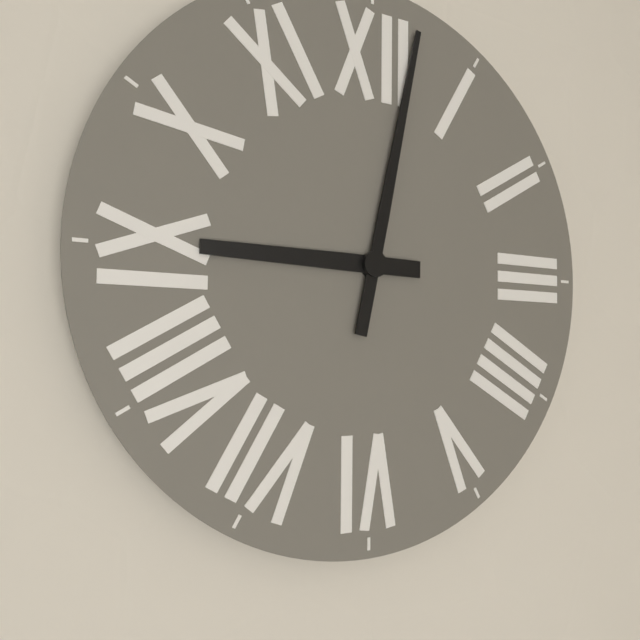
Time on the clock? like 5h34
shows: 9h02
